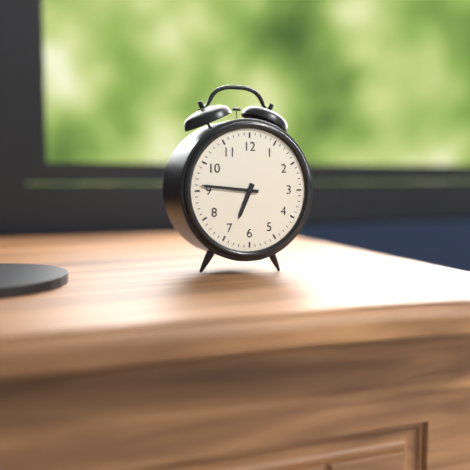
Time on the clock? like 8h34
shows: 6h46
